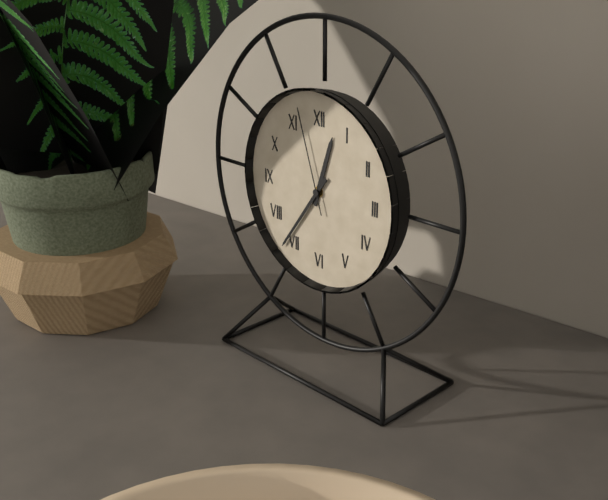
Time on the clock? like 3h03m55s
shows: 12h36m57s
